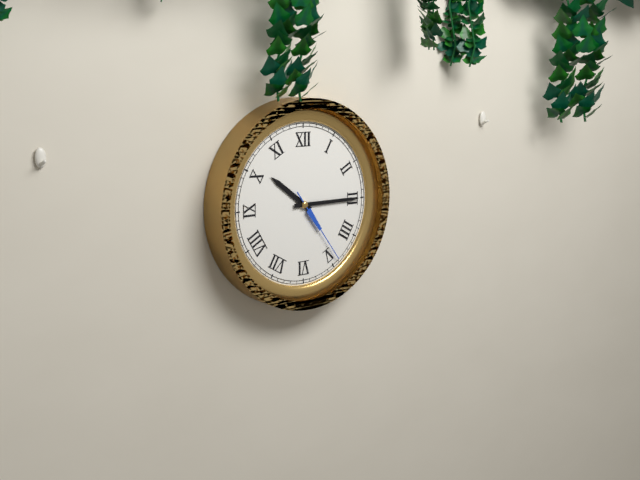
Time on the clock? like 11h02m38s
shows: 10h15m24s
